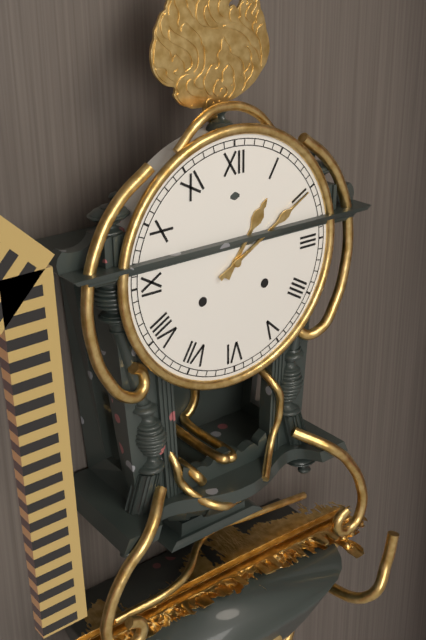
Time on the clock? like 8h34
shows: 1h10
